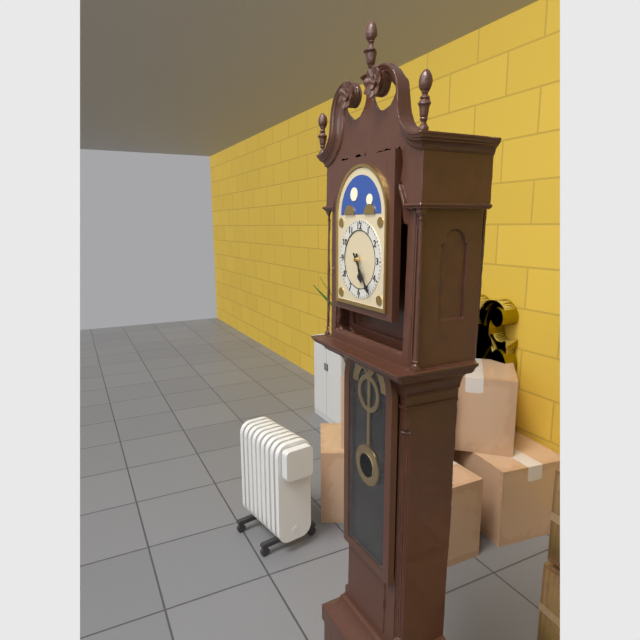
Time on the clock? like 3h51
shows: 5h24
